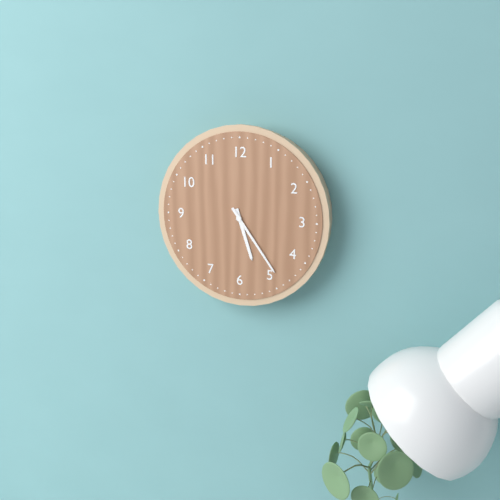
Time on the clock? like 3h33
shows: 5h24
